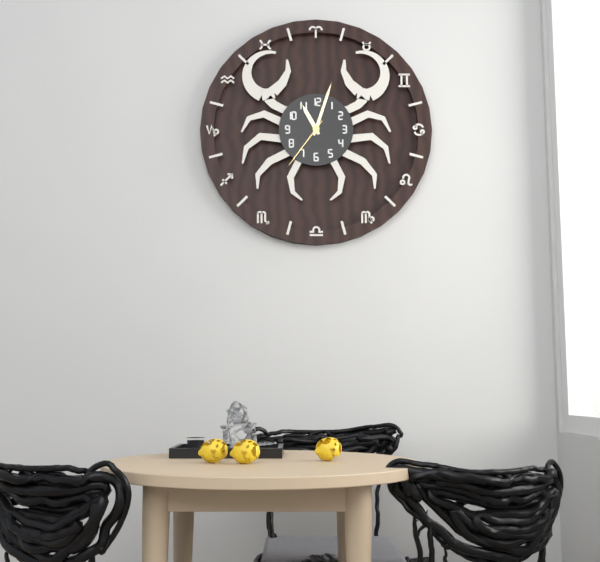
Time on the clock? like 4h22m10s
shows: 11h03m36s
